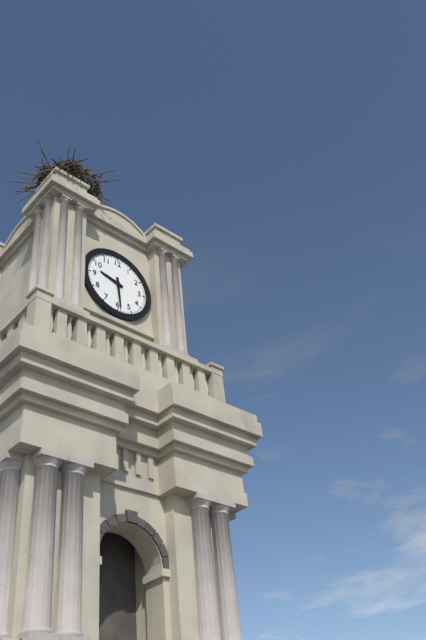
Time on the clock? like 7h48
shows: 9h29
